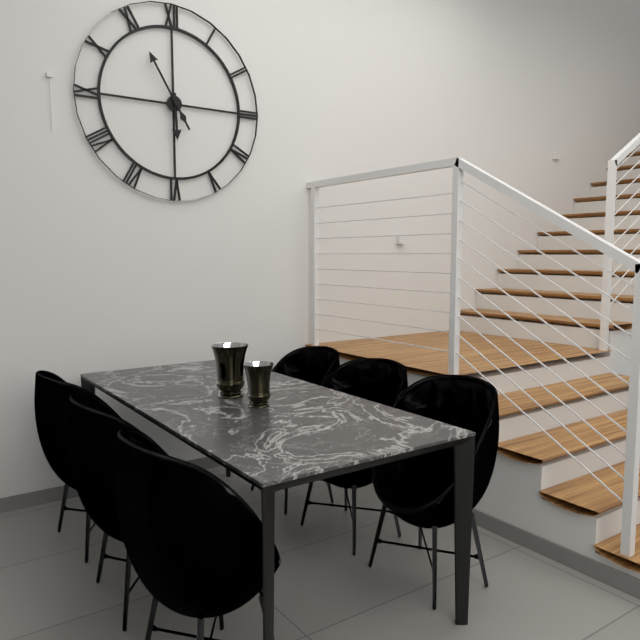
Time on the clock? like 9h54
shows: 5h55
